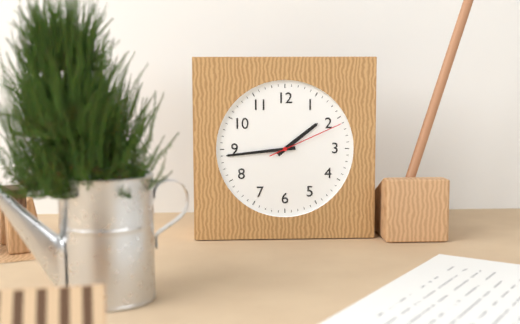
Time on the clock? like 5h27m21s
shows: 1h44m11s
